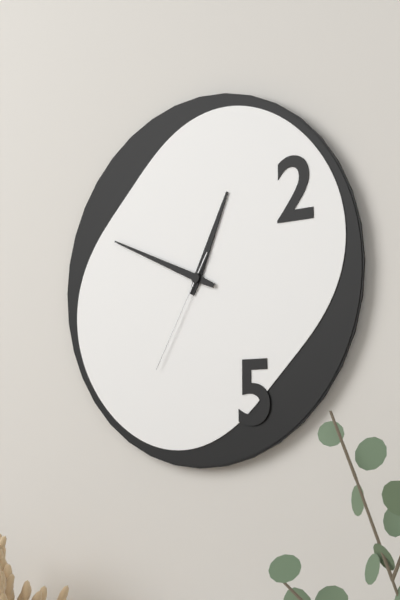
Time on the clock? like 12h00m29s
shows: 12h49m35s
